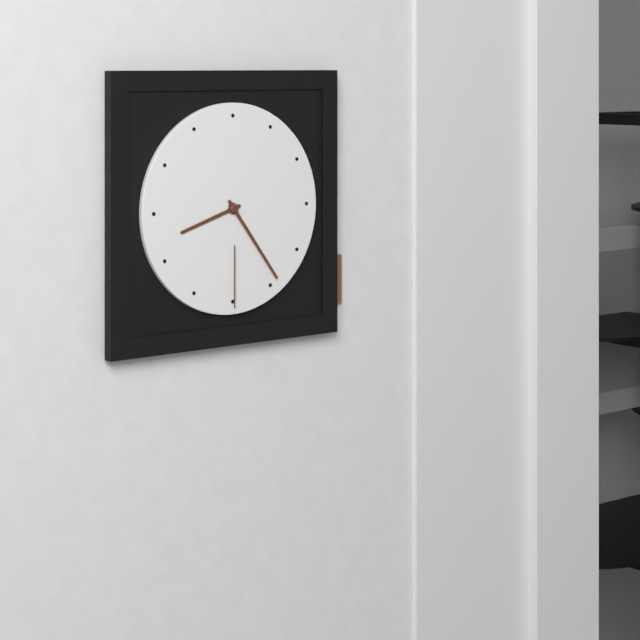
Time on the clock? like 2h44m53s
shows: 8h24m30s
